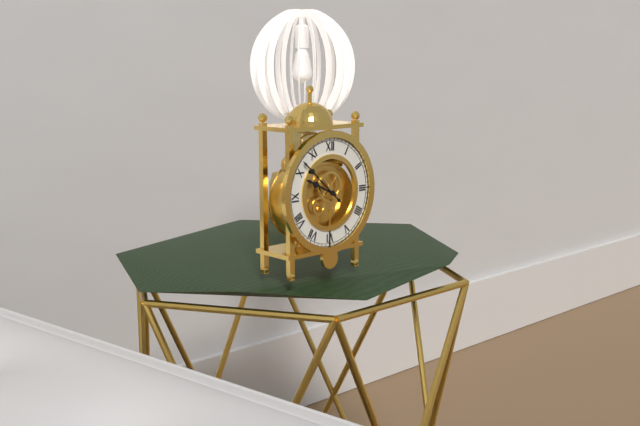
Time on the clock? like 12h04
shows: 9h52
